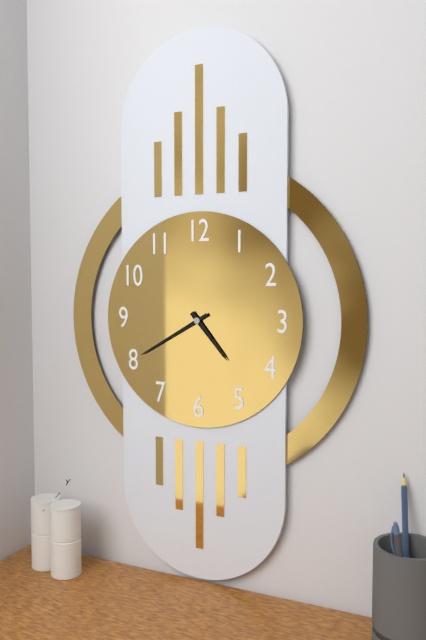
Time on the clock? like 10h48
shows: 4h40
